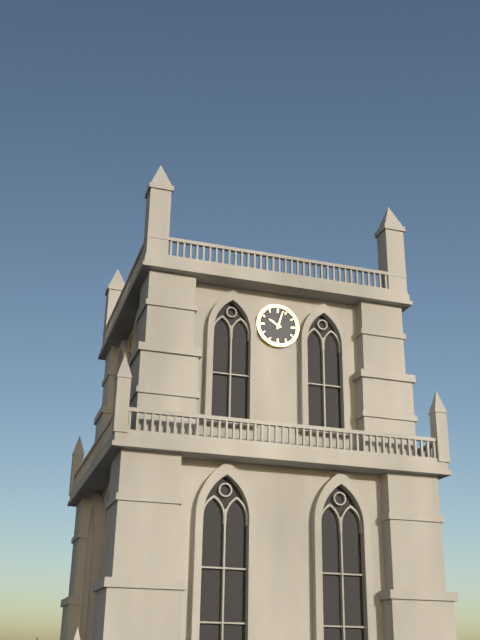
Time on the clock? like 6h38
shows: 10h03
